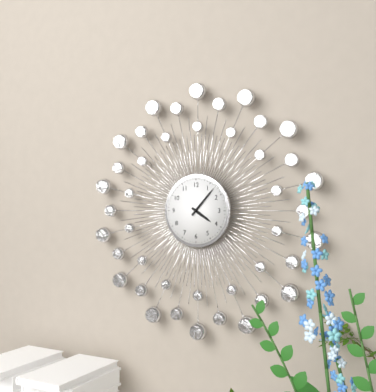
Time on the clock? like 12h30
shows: 4h07
